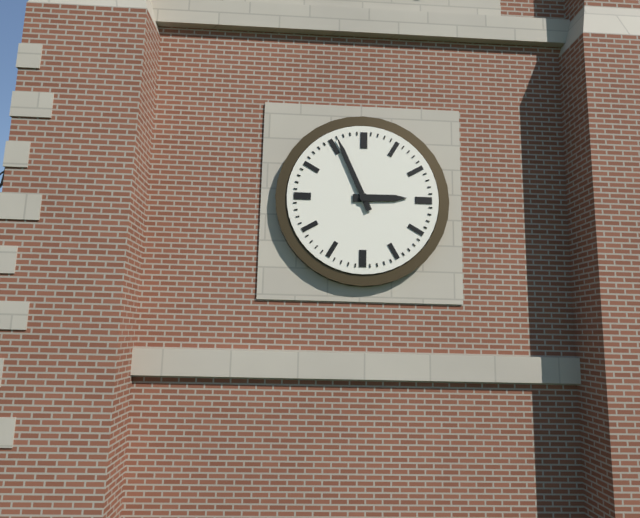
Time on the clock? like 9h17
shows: 2h56
